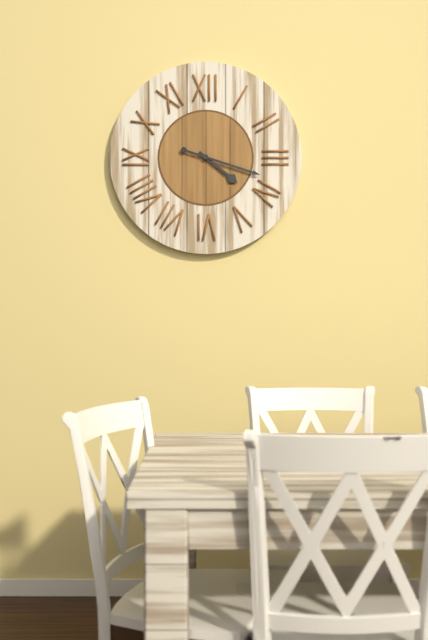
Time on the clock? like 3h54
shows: 4h18
